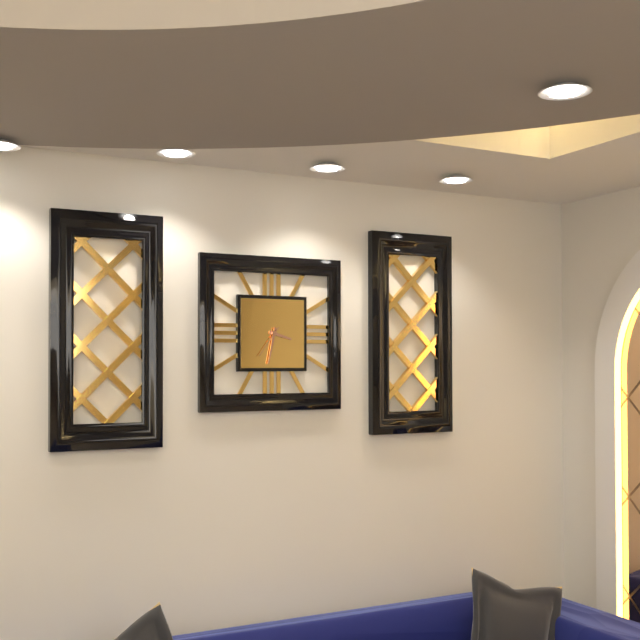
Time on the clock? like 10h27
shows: 3h32
